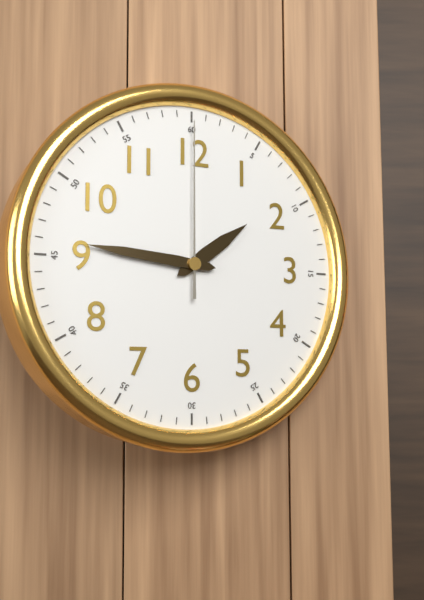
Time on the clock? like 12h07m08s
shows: 1h46m00s
